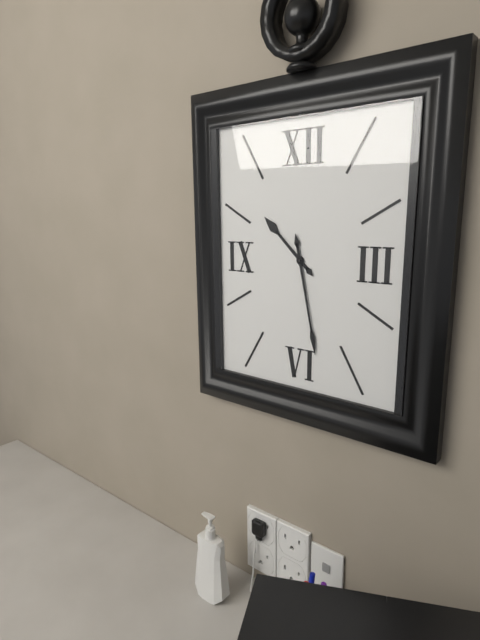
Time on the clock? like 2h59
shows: 10h28
